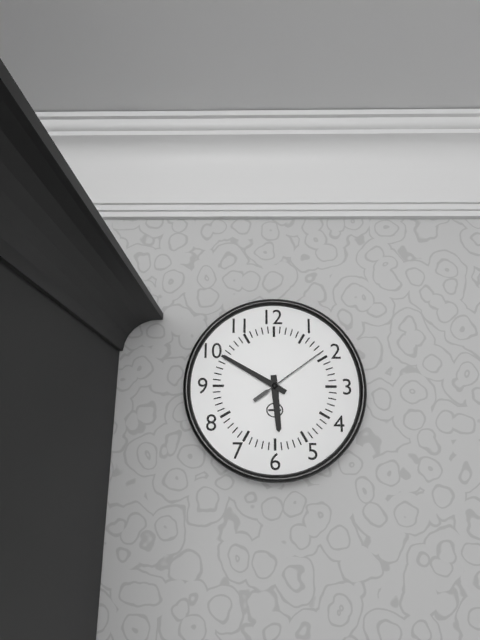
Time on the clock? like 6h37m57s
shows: 5h50m09s
